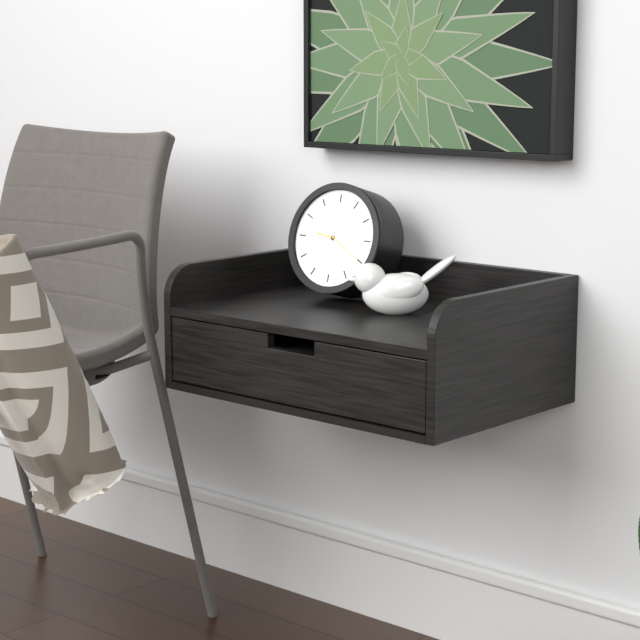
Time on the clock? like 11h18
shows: 9h20
